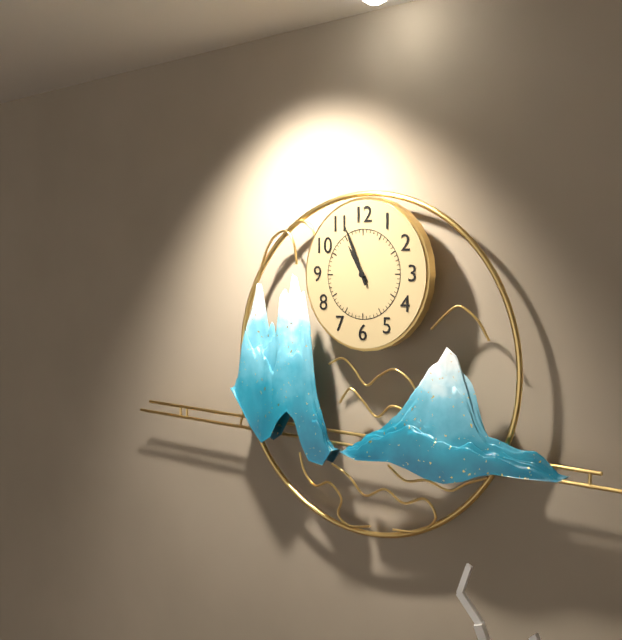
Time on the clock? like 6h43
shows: 10h56
